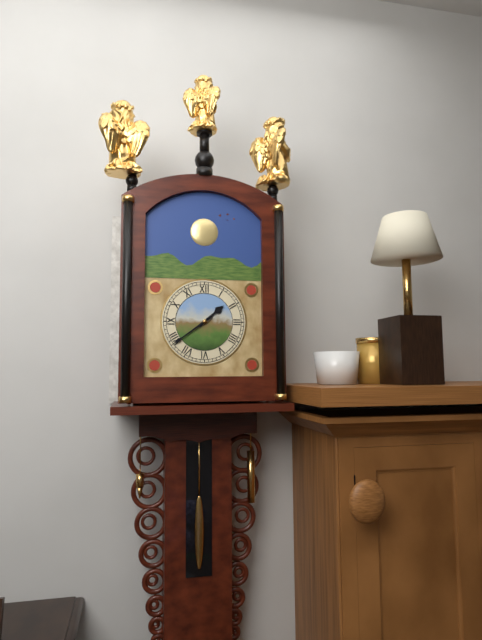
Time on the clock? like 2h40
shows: 1h39
